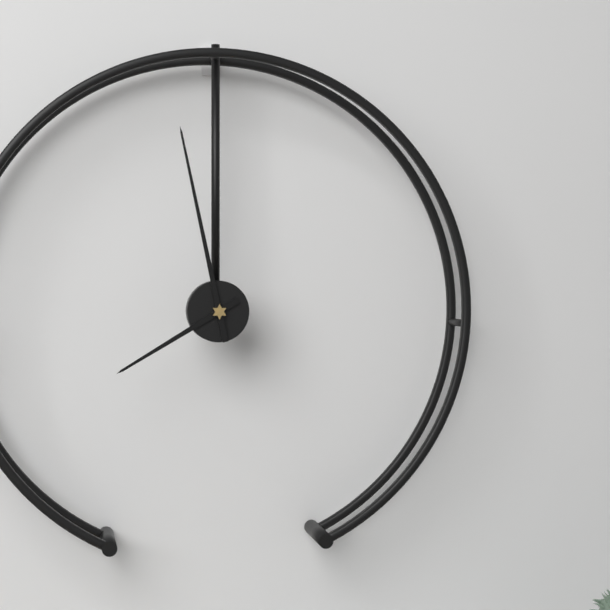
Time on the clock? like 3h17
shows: 7h58
